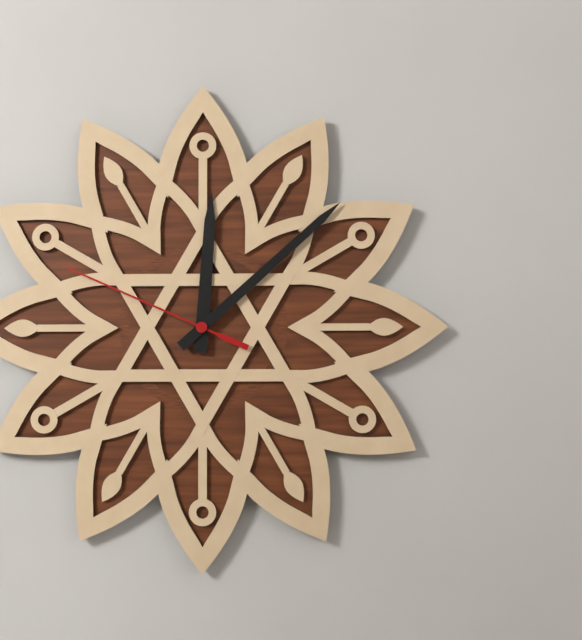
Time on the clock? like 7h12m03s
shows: 12h08m49s
